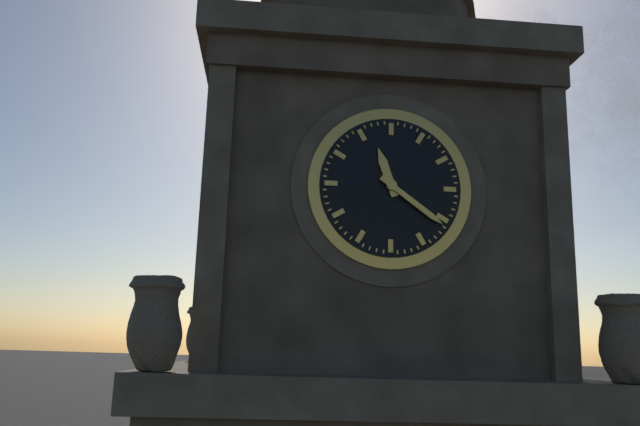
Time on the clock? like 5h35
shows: 11h21
